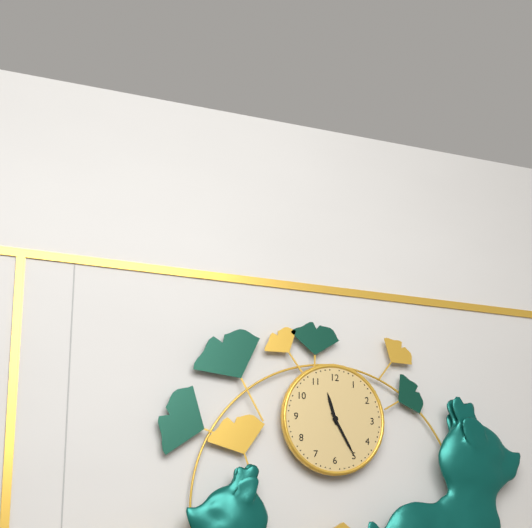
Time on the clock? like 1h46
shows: 11h25
